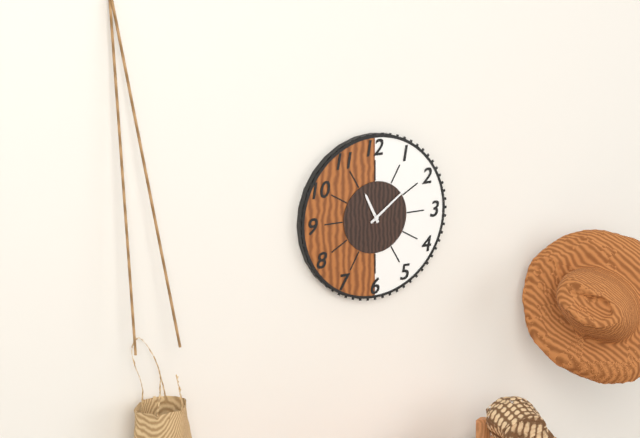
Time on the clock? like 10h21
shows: 11h09
